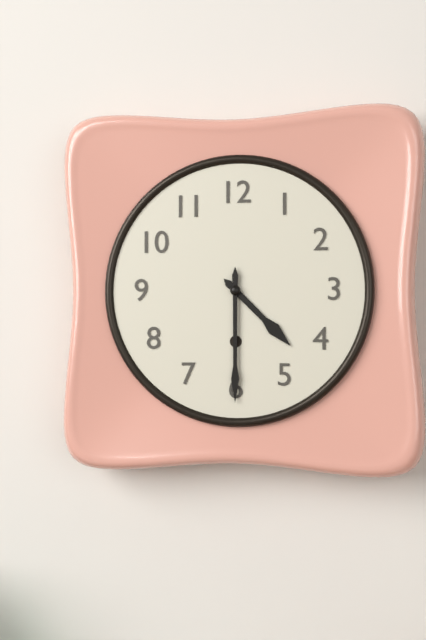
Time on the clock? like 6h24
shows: 4h30
